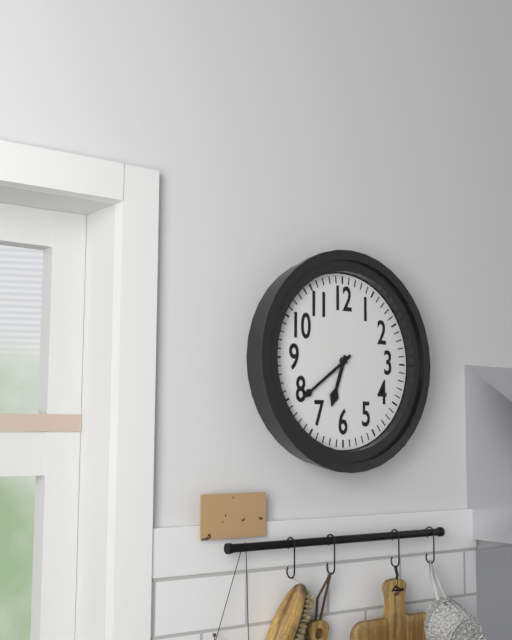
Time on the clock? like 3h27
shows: 6h39
